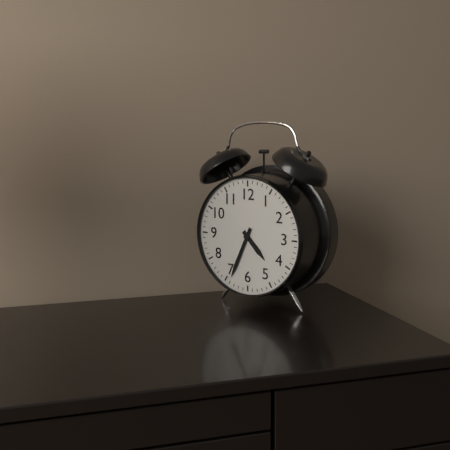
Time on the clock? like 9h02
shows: 4h34
